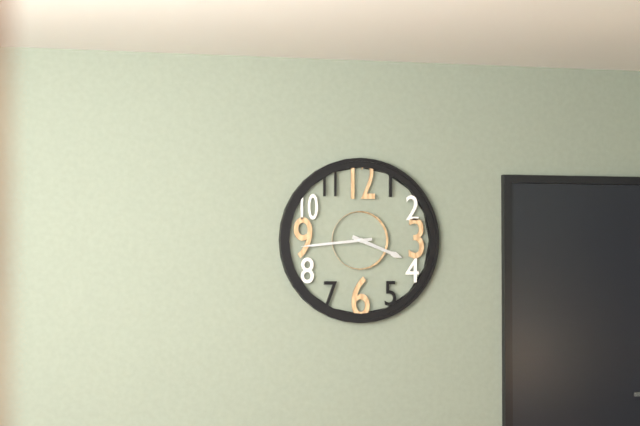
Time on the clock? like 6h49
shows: 3h44
